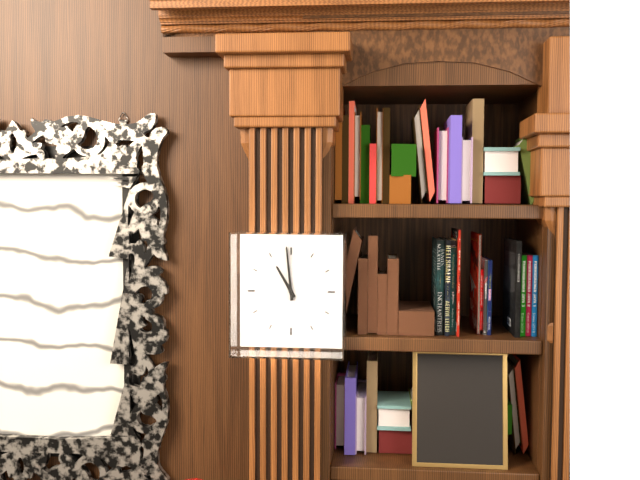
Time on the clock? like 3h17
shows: 10h59
